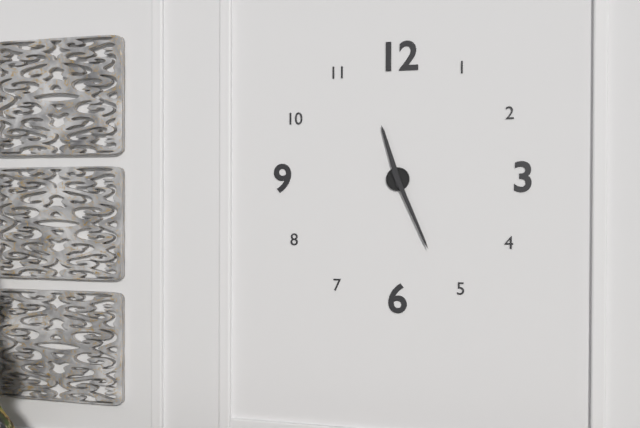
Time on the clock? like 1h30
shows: 11h26
